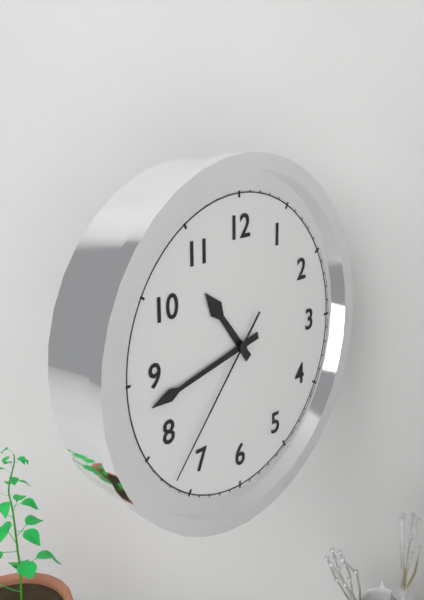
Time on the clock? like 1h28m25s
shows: 10h43m37s
